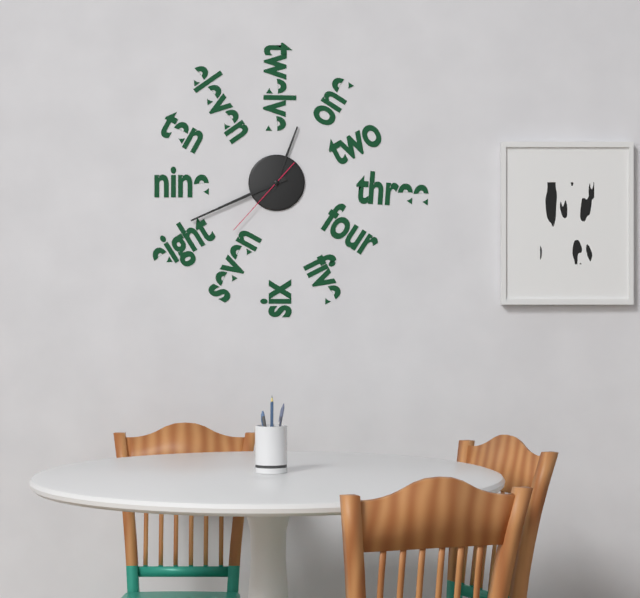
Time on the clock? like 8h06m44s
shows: 12h41m37s
